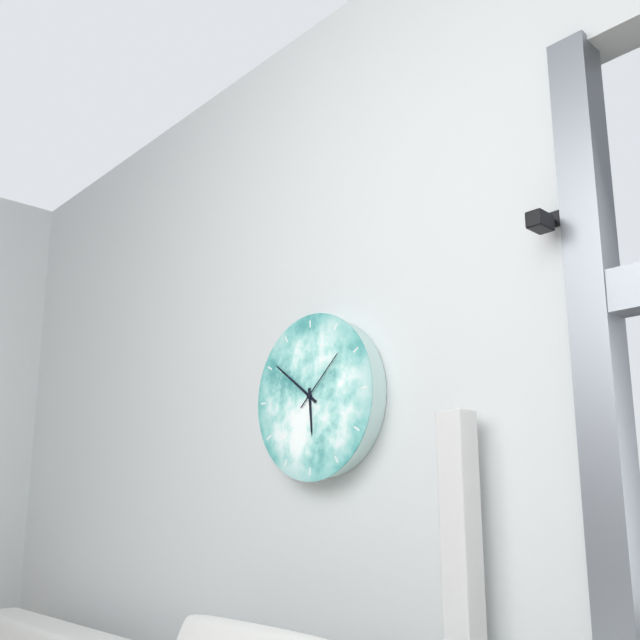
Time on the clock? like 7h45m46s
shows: 5h51m08s
